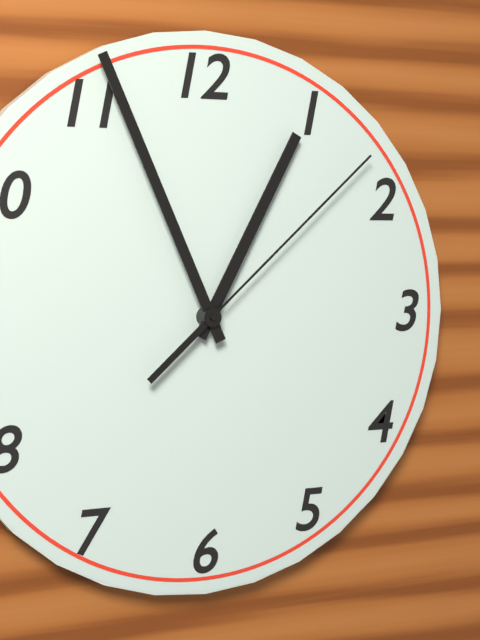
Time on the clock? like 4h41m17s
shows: 12h56m08s
